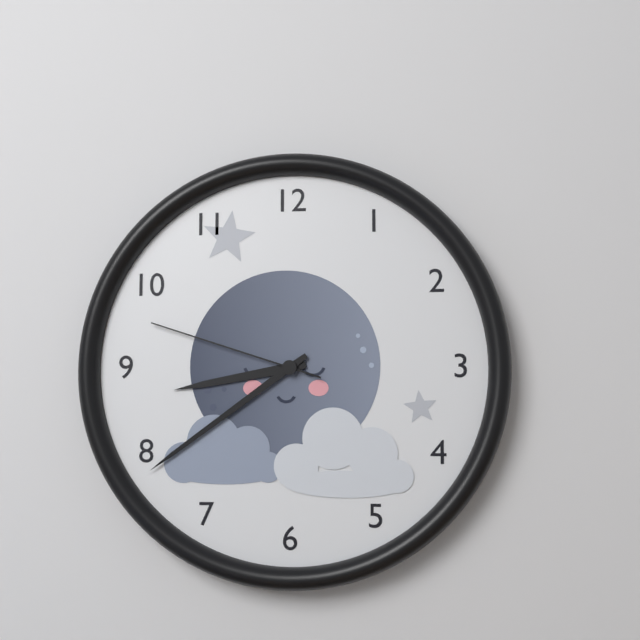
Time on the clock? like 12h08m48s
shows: 8h39m48s
